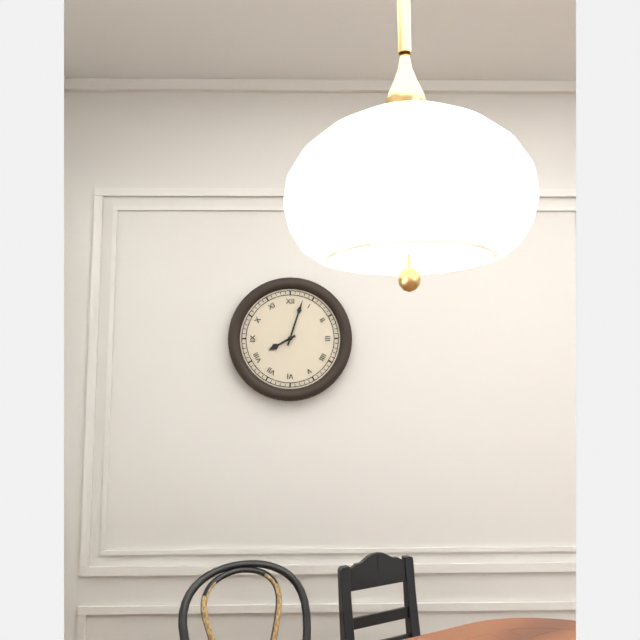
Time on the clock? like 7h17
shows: 8h03
